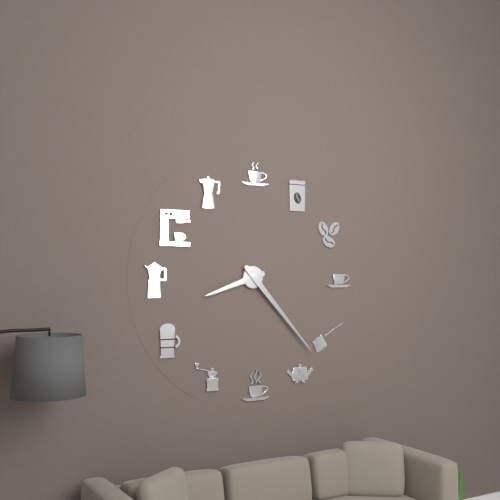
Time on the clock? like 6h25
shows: 8h23
